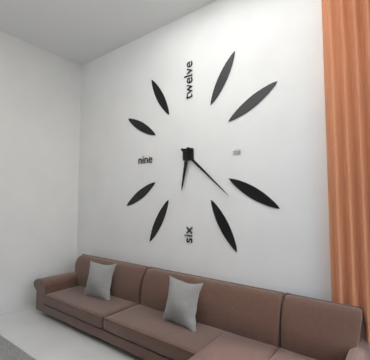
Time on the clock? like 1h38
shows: 6h22
